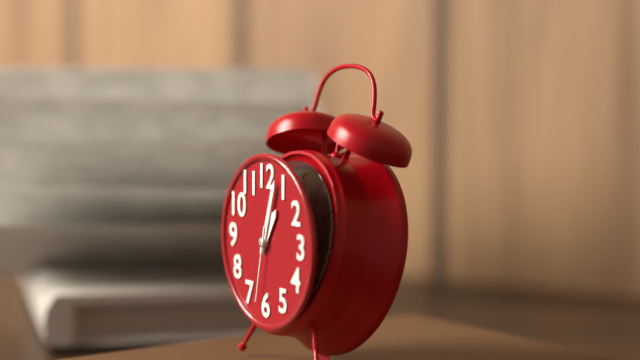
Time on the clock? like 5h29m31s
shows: 1h03m32s
